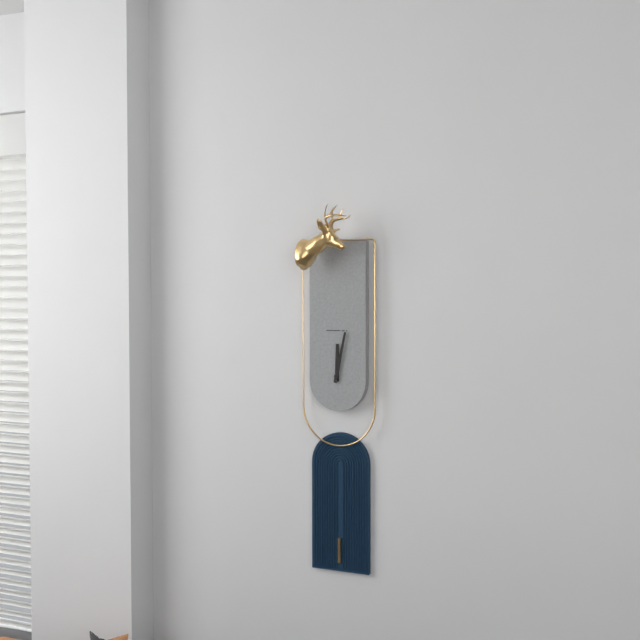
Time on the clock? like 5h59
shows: 12h02
